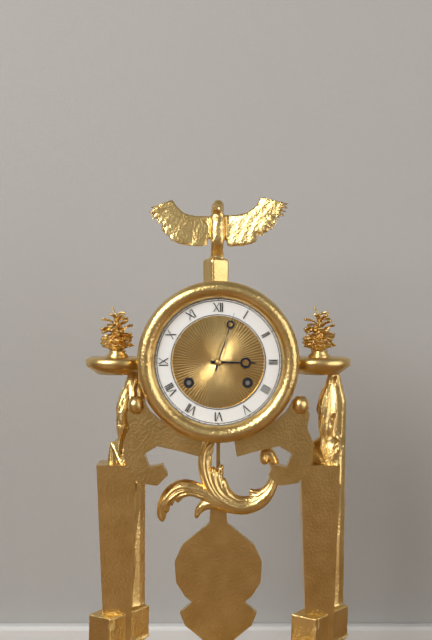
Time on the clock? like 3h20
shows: 3h03
